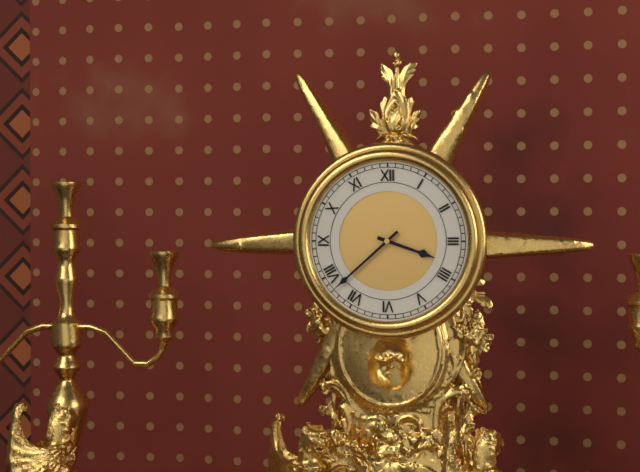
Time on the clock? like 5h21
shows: 3h38
